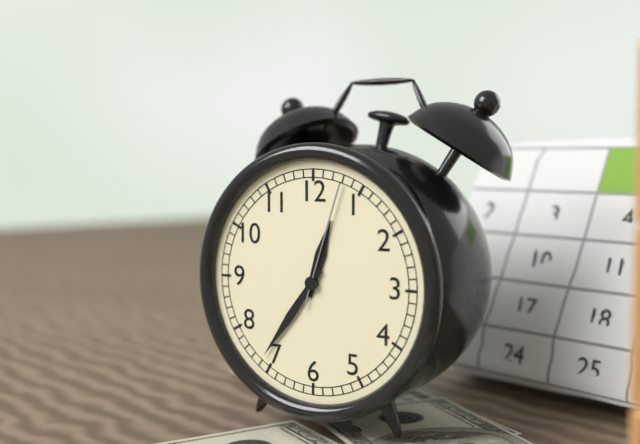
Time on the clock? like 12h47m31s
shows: 12h36m03s
